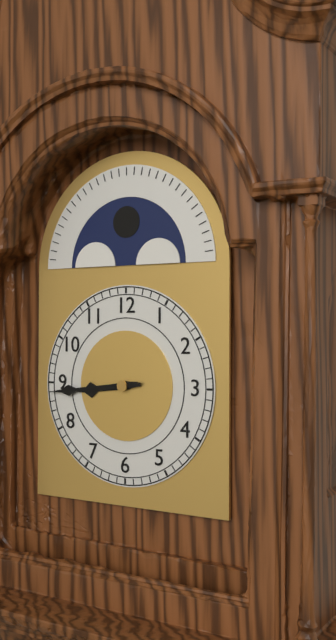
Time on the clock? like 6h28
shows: 8h44
